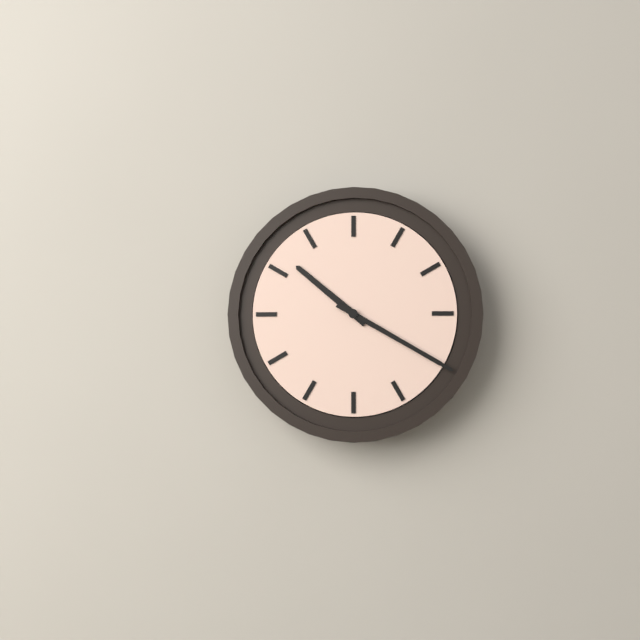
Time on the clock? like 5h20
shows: 10h20
